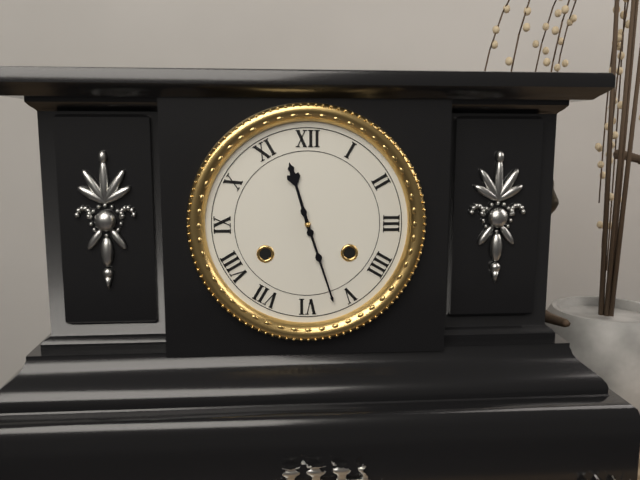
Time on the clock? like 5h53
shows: 11h27
